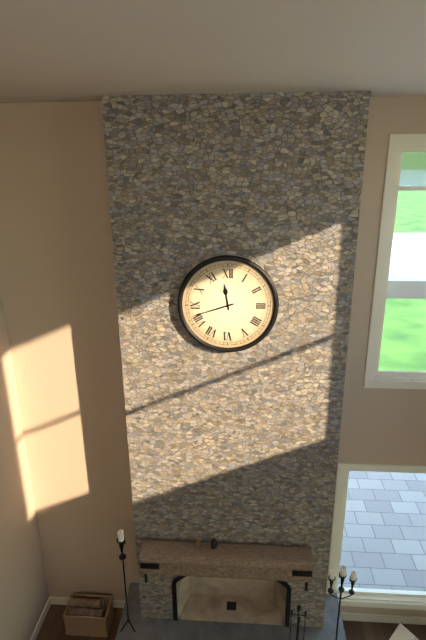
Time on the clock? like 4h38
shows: 11h42
